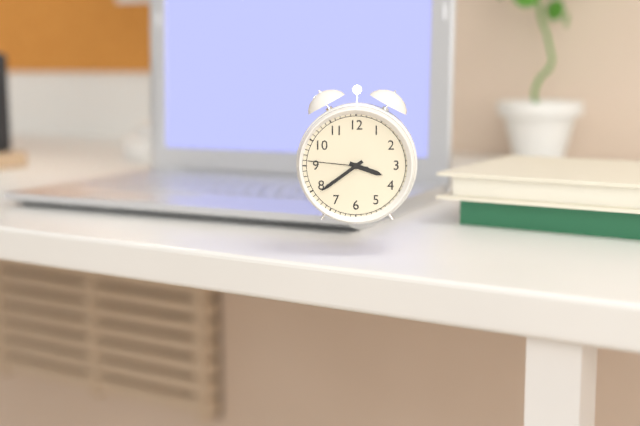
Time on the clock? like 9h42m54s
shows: 3h39m46s
